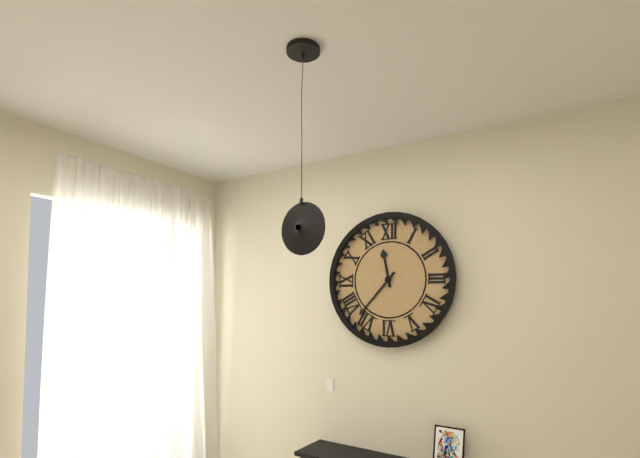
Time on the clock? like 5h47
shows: 11h37
